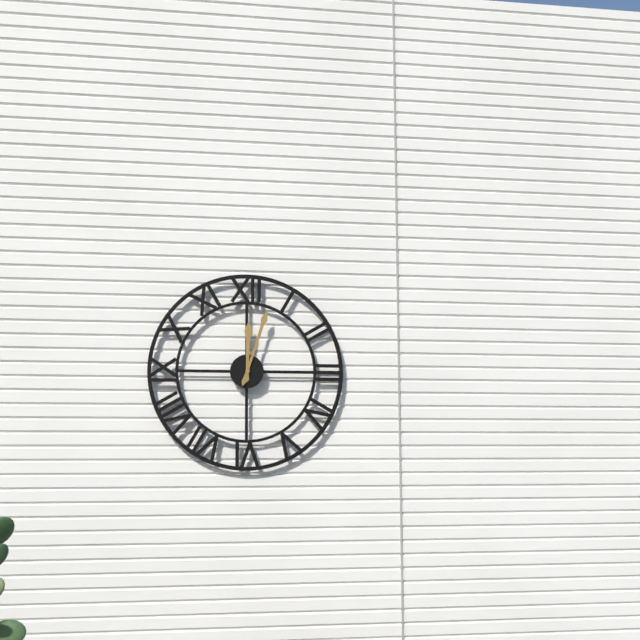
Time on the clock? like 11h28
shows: 12h03
